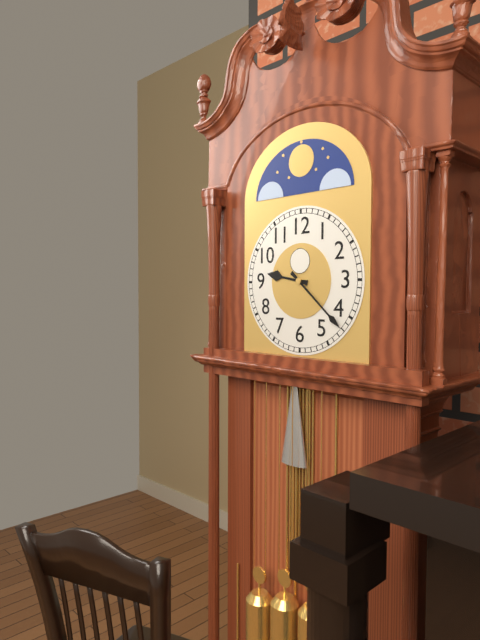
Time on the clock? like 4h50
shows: 9h22
